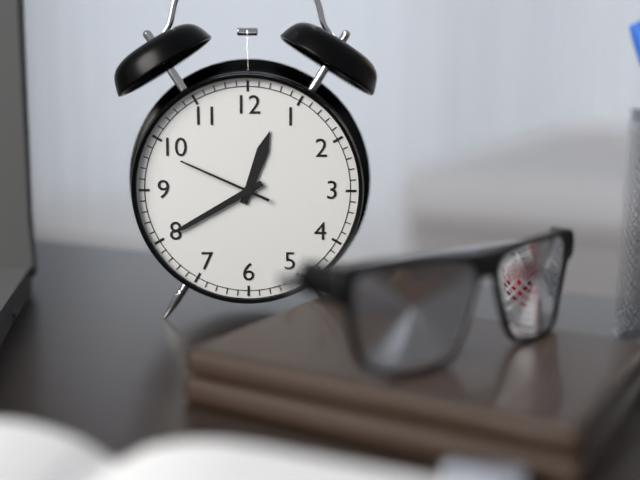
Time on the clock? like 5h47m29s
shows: 12h40m49s
